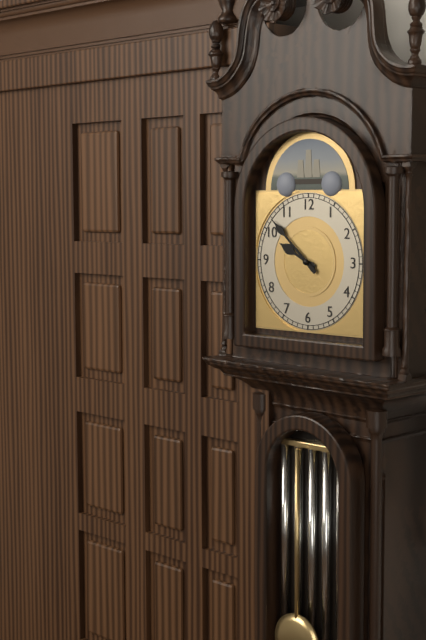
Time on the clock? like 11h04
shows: 9h52
